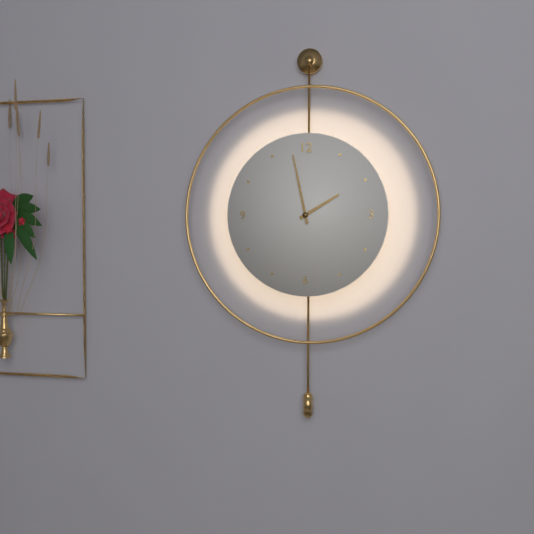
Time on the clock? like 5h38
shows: 1h58
